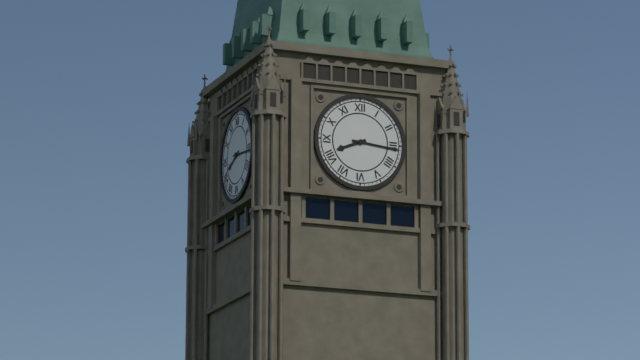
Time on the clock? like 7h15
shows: 8h16
